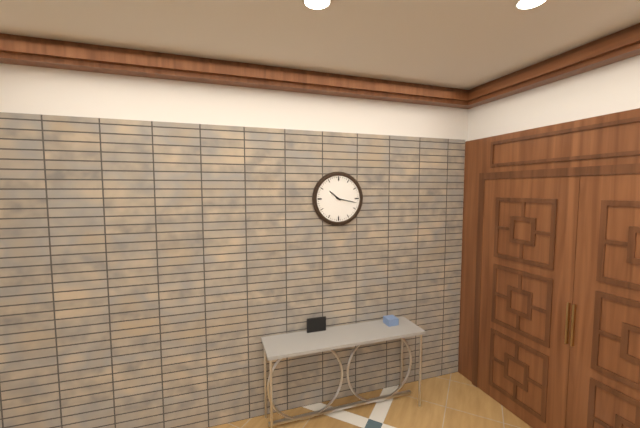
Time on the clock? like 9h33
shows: 10h17
